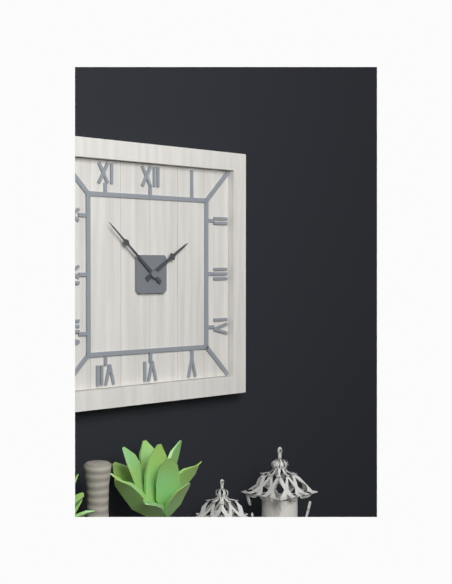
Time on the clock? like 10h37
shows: 1h52
